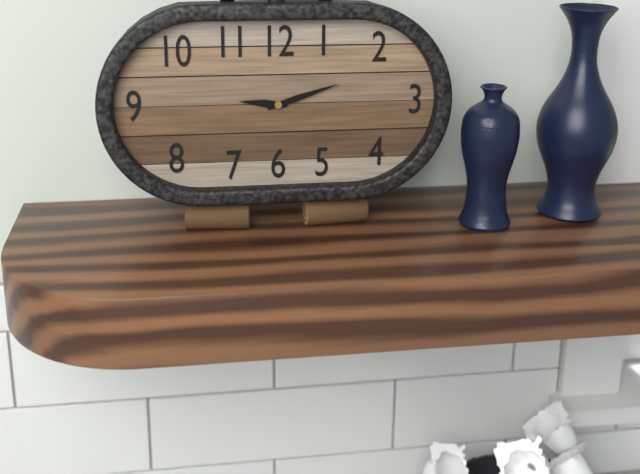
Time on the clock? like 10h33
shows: 9h12
